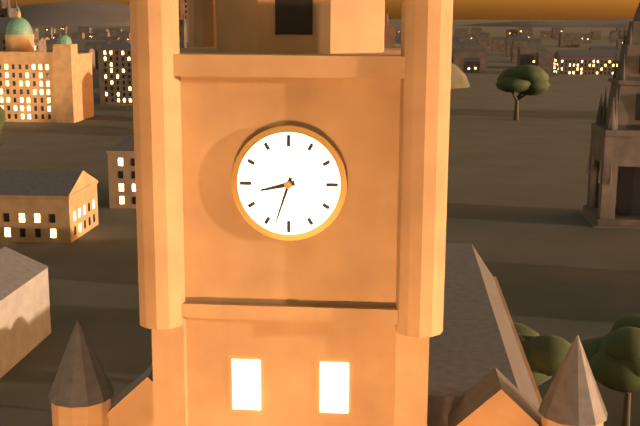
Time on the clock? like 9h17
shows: 8h33
